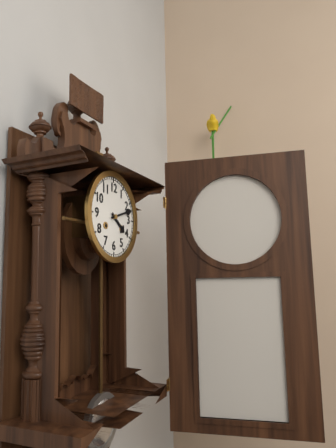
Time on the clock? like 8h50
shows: 4h12
